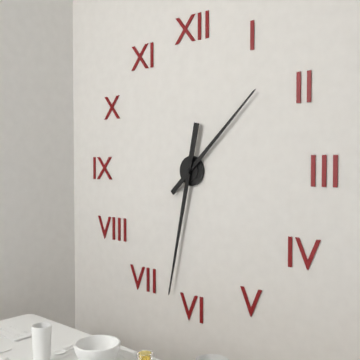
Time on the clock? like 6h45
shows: 1h32
